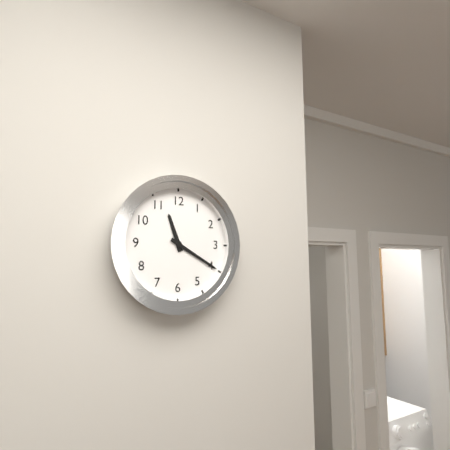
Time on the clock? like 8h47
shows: 11h20
